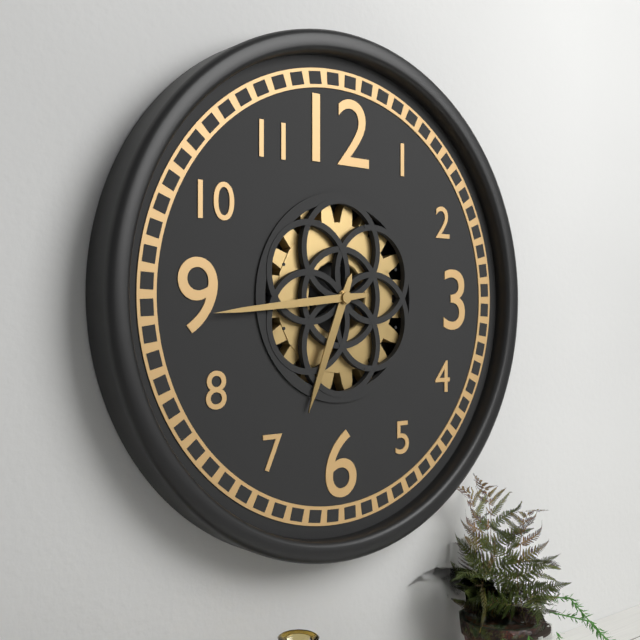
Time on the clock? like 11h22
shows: 6h44
